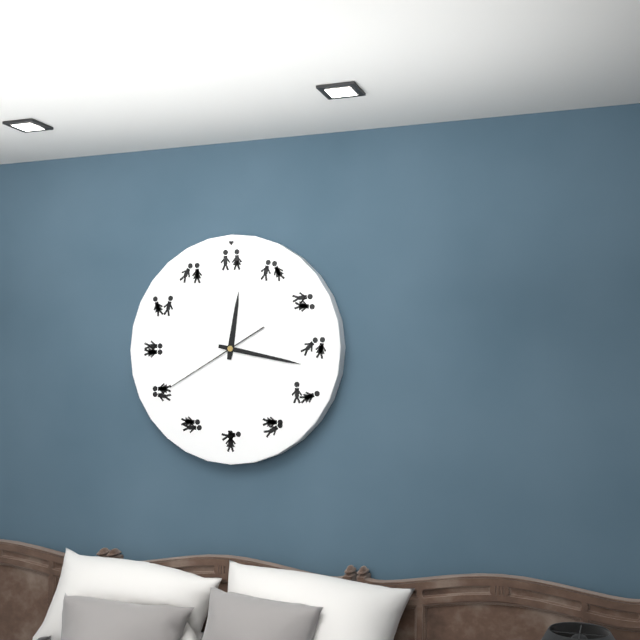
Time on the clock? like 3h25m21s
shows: 12h17m40s
